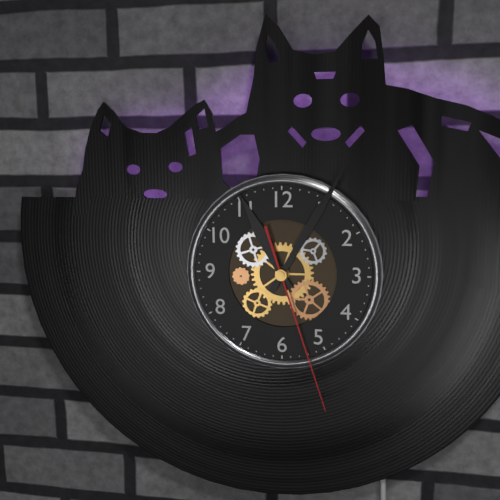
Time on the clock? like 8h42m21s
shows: 11h05m27s
